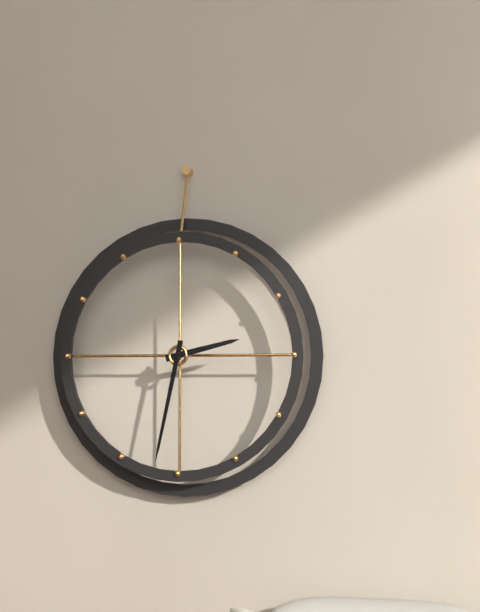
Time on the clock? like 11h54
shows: 2h32
